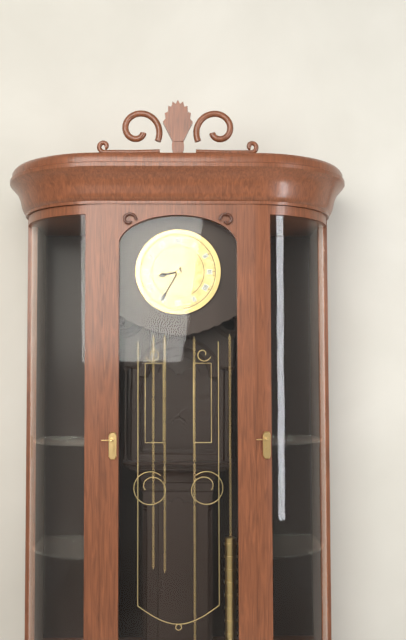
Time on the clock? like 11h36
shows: 8h35
